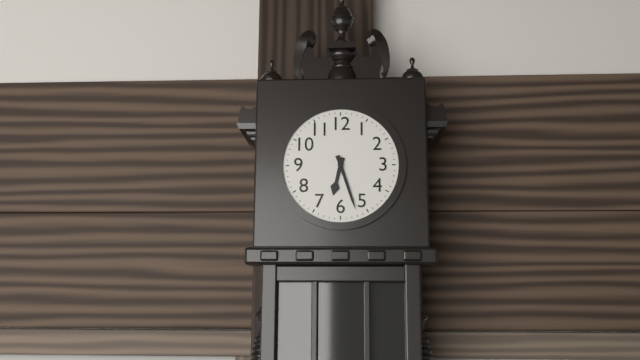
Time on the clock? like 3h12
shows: 6h27
